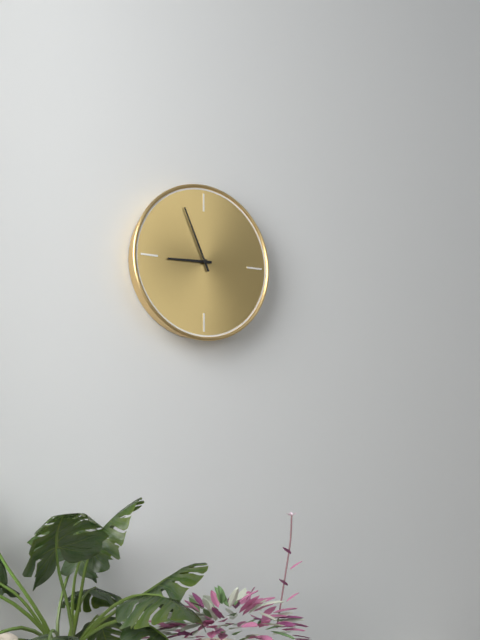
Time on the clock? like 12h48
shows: 8h56
